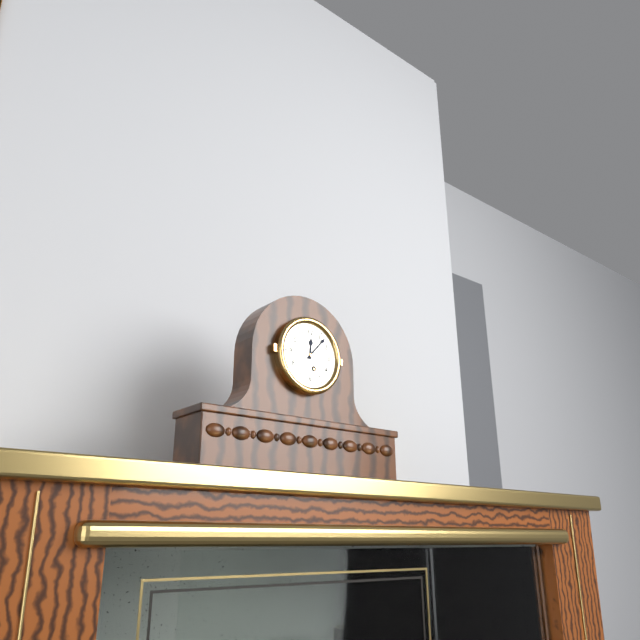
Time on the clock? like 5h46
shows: 12h07
